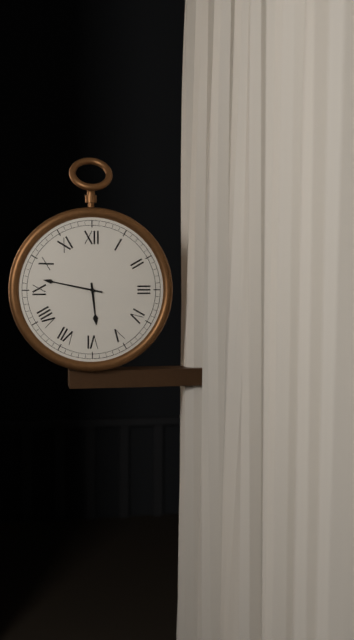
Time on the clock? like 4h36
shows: 5h47
